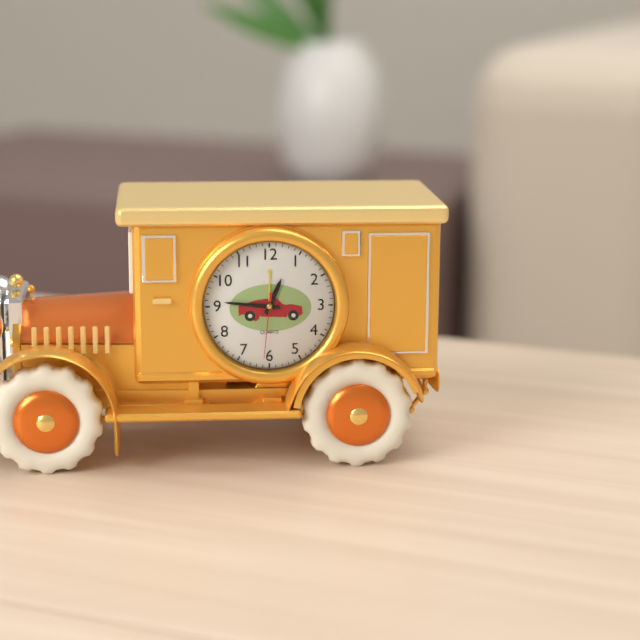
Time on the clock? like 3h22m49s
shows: 12h46m31s
